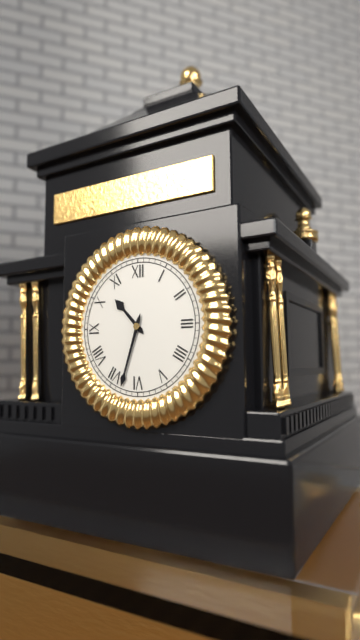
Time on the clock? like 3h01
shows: 10h33
